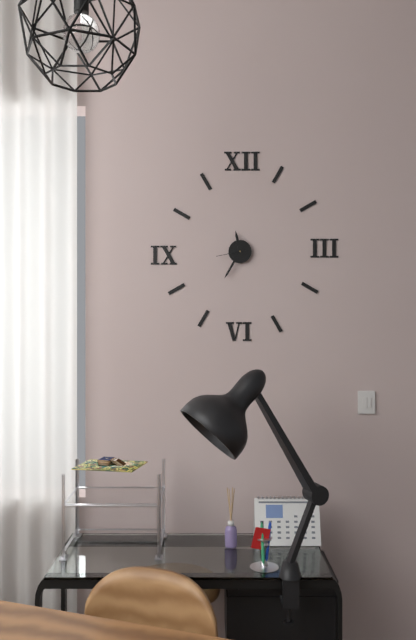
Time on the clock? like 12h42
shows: 11h35
